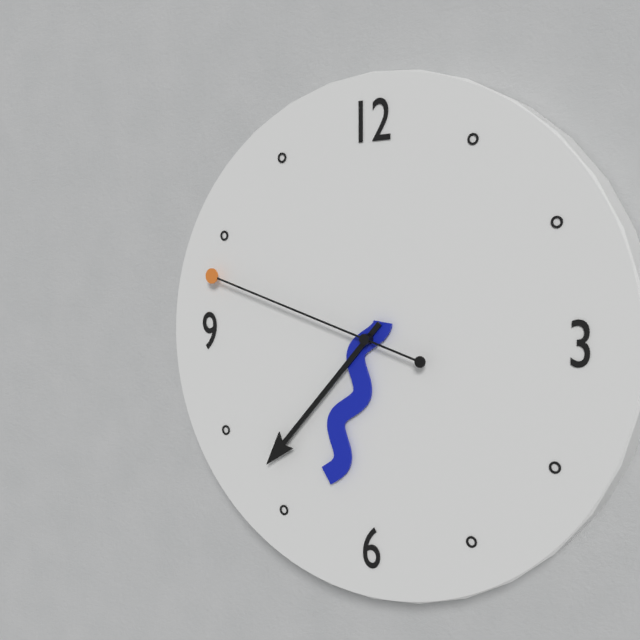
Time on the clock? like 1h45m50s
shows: 6h37m48s
